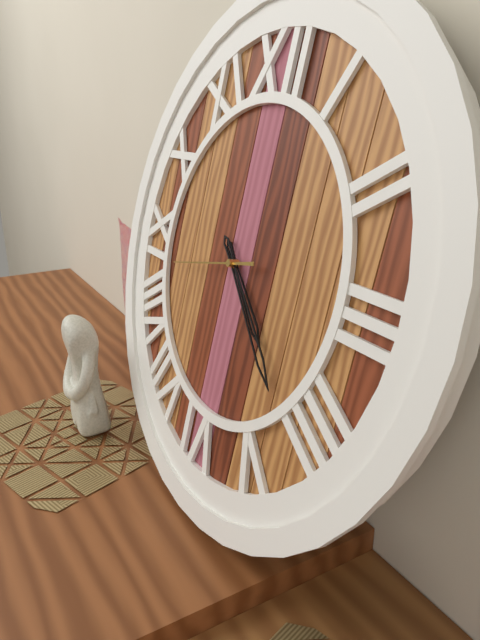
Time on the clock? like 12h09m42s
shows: 4h22m43s
